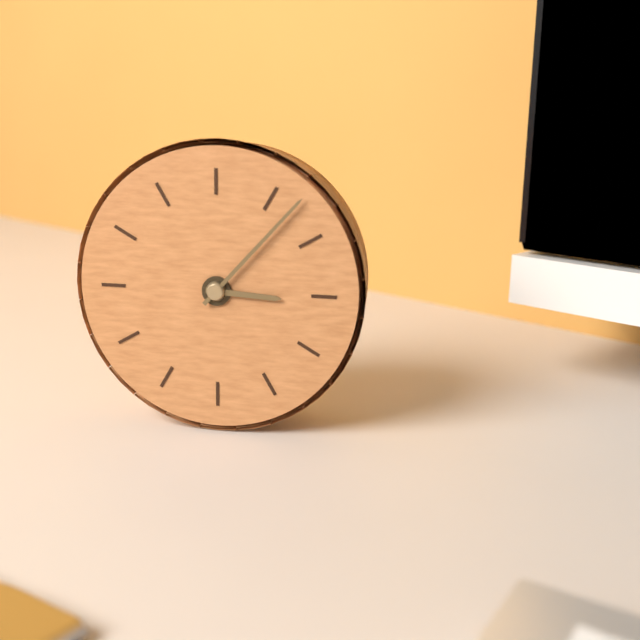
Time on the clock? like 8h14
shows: 3h07
